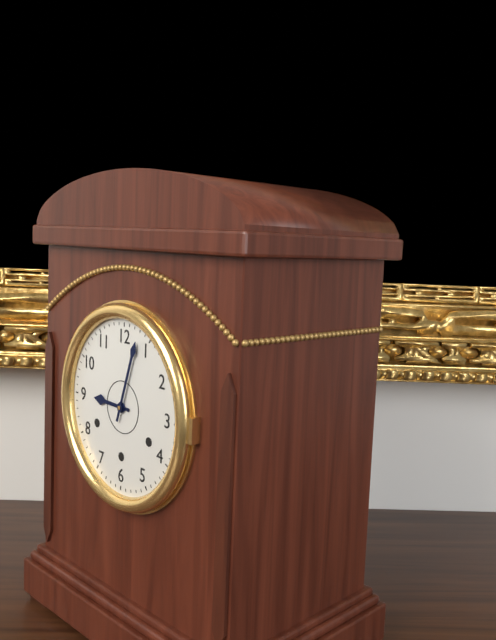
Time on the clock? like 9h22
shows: 9h03
